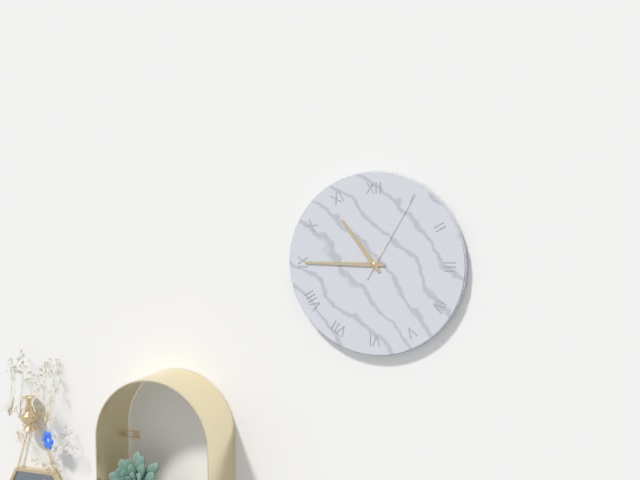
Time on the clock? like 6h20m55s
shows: 10h45m05s
